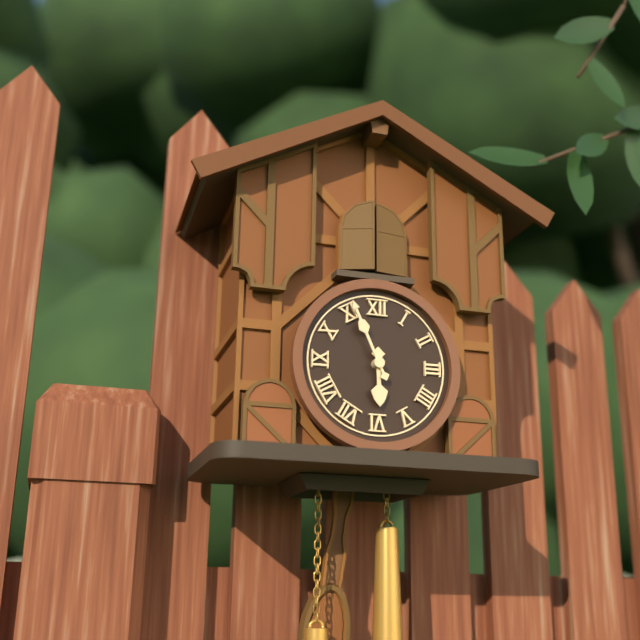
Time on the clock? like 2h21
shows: 5h56
